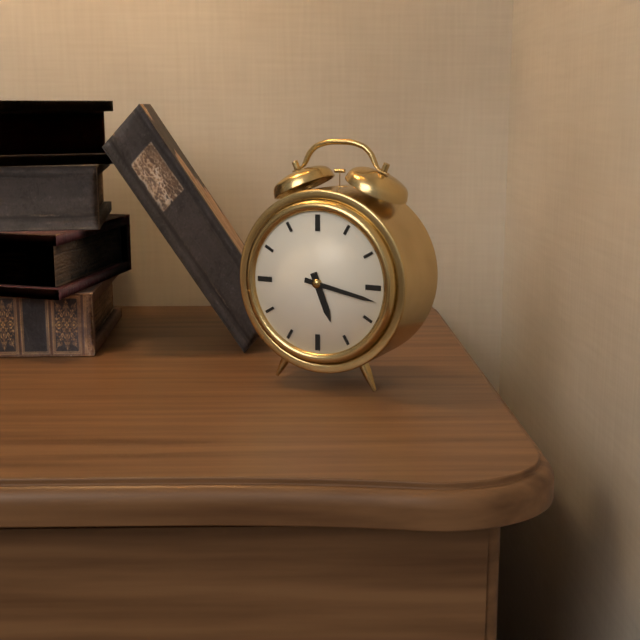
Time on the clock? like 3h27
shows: 5h17
